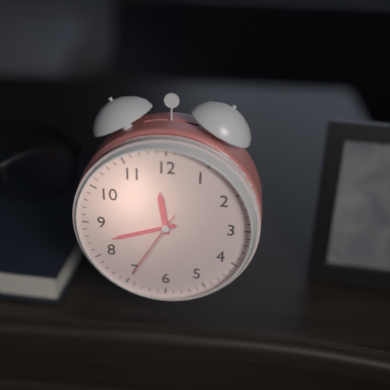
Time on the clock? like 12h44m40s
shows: 11h42m35s
